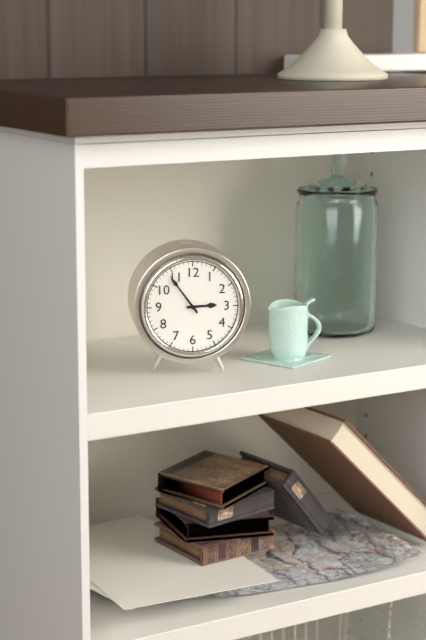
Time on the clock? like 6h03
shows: 2h54
